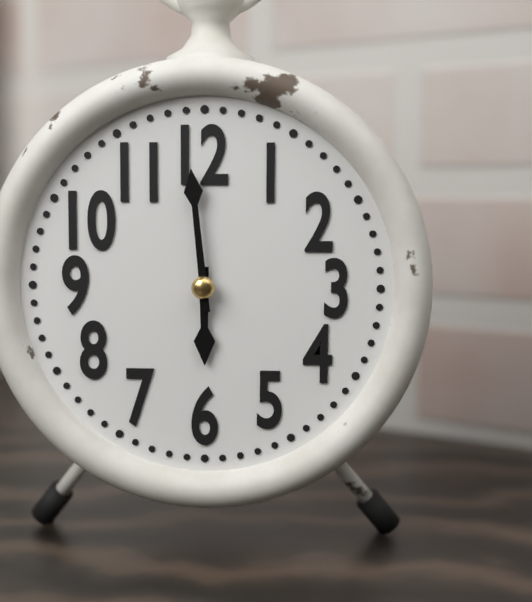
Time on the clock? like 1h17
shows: 5h59
